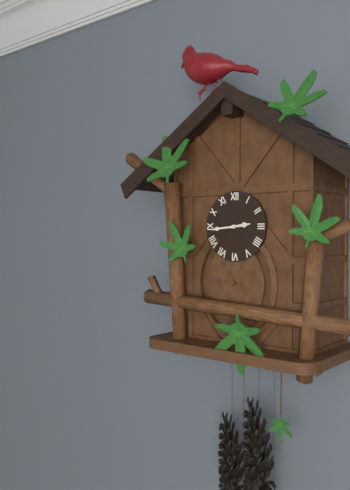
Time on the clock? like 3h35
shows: 2h44
